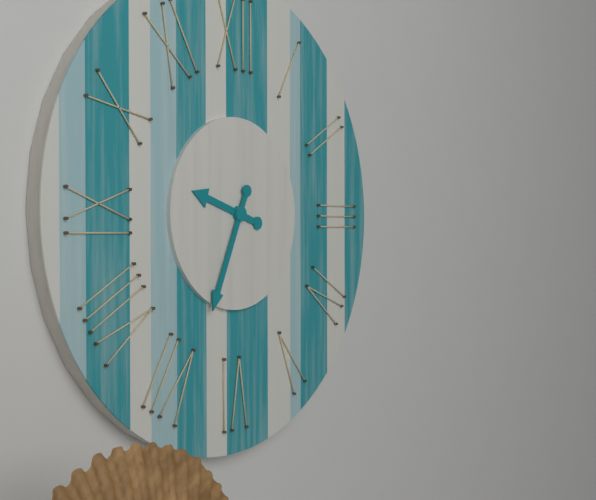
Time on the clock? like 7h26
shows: 9h34
